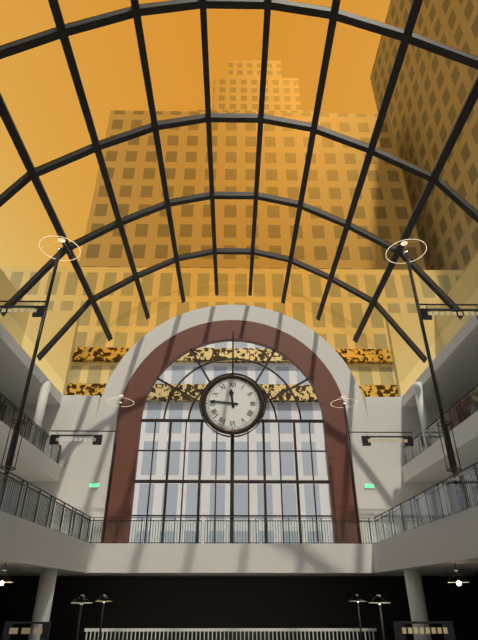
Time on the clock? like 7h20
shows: 11h46
